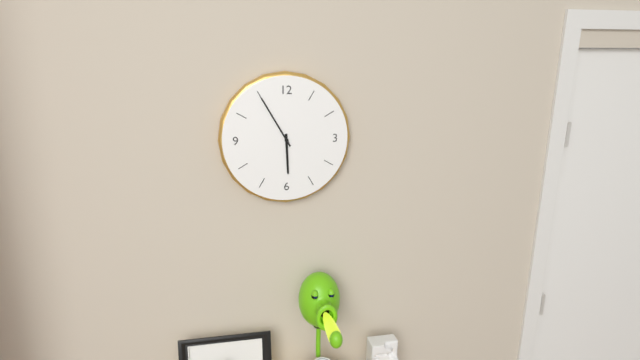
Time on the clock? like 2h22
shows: 5h55
